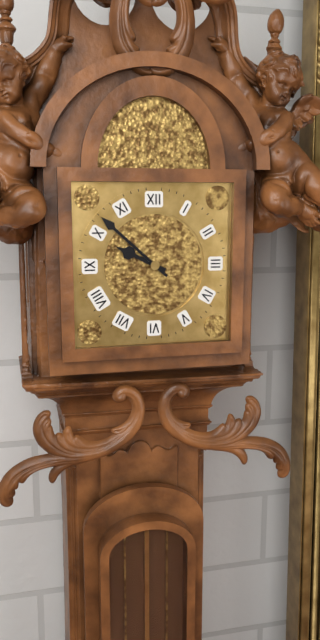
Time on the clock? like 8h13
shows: 9h52
